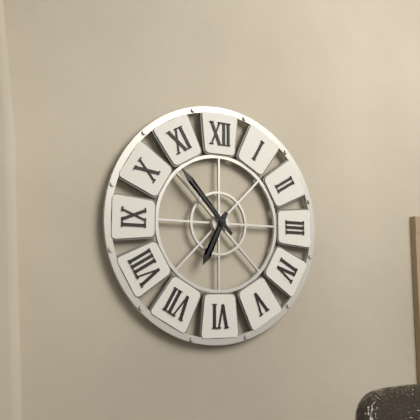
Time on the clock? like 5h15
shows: 6h53
